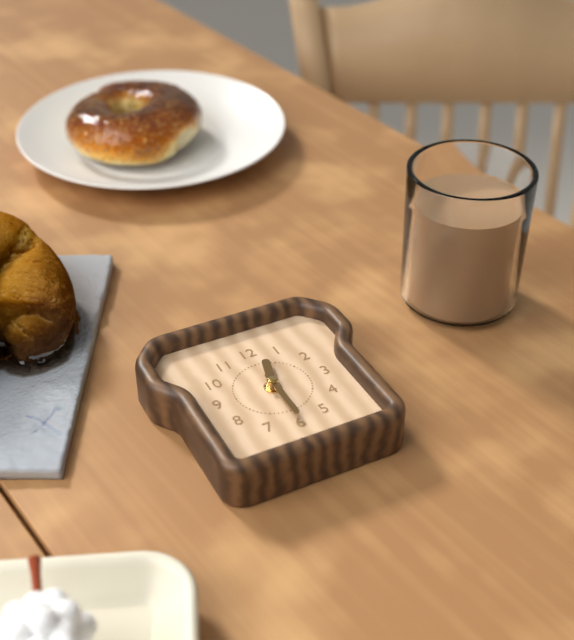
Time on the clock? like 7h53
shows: 12h30
